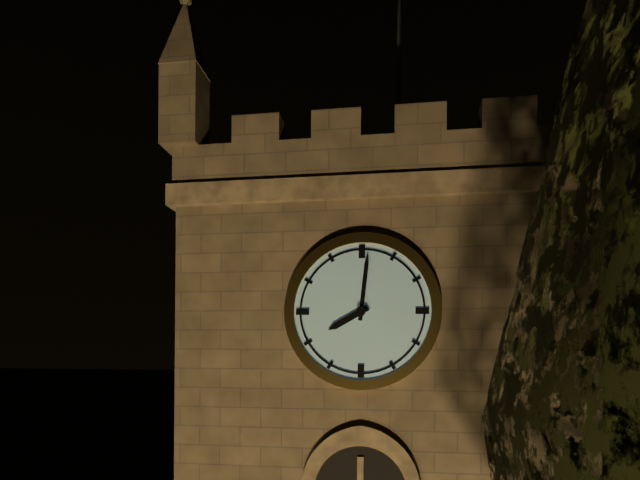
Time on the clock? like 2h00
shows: 8h01
